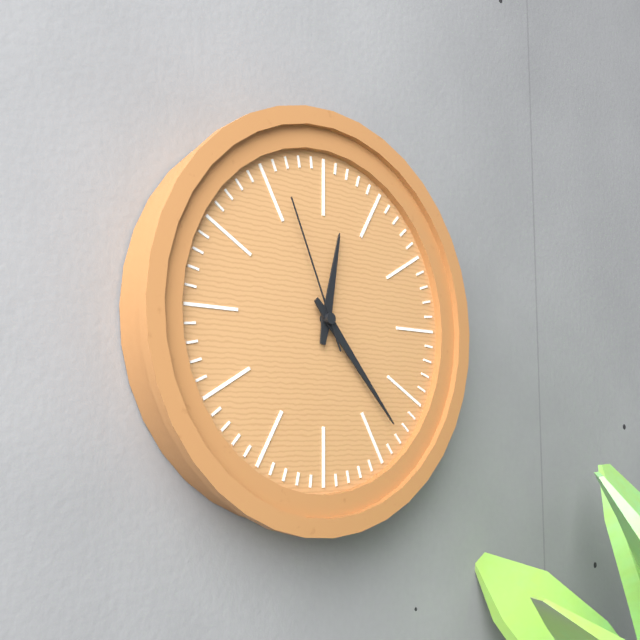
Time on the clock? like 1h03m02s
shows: 12h23m56s
